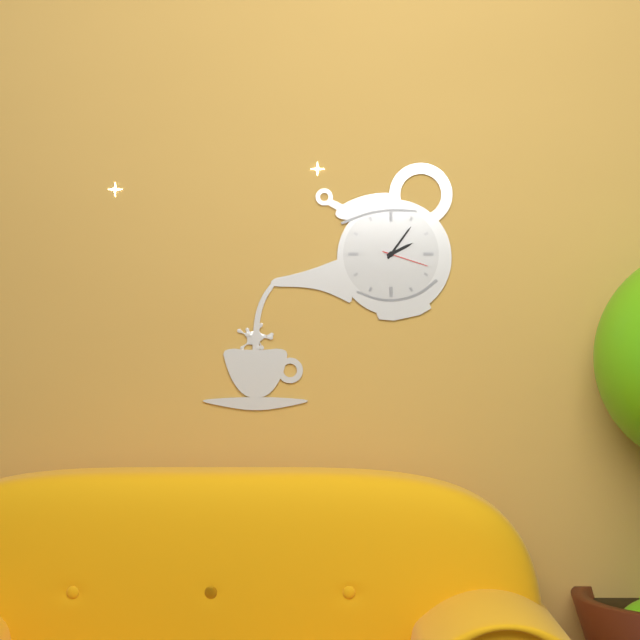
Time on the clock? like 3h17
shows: 2h06
